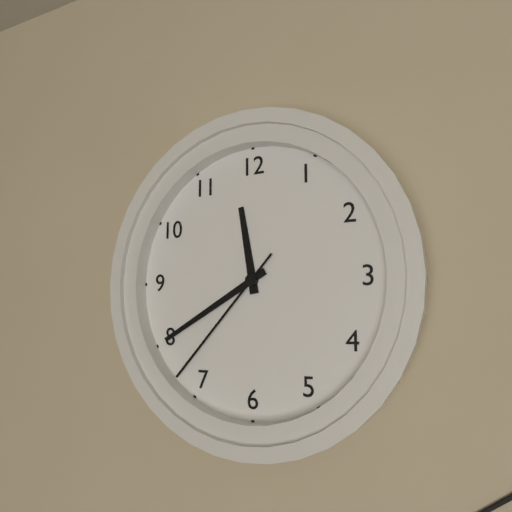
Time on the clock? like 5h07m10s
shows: 11h40m37s
